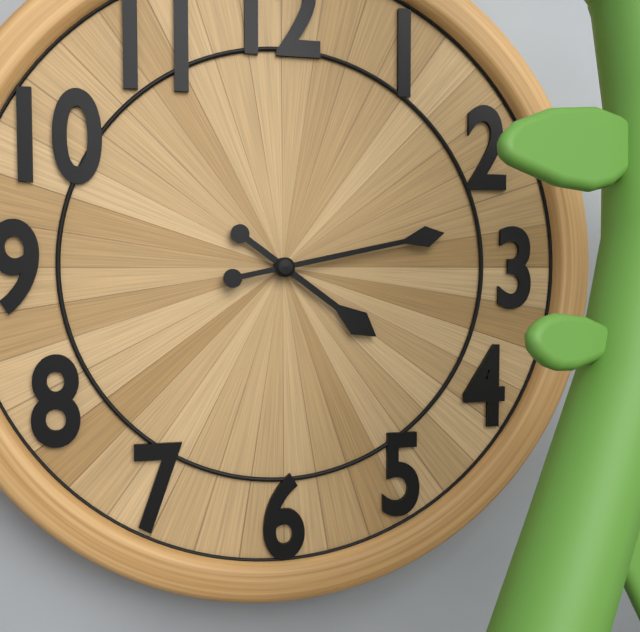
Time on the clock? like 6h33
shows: 4h13
